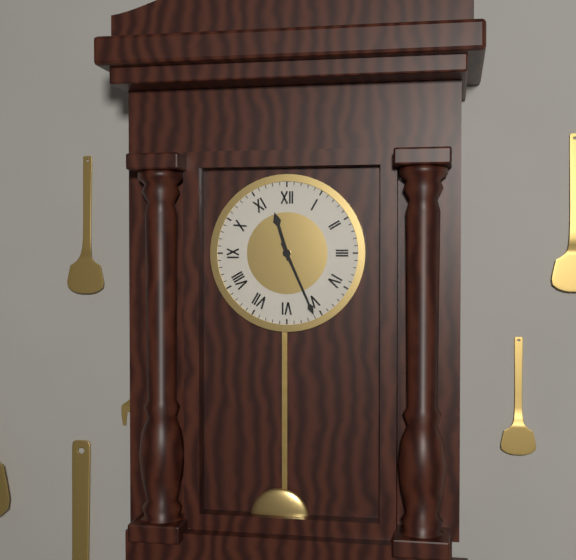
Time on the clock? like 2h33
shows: 11h26
